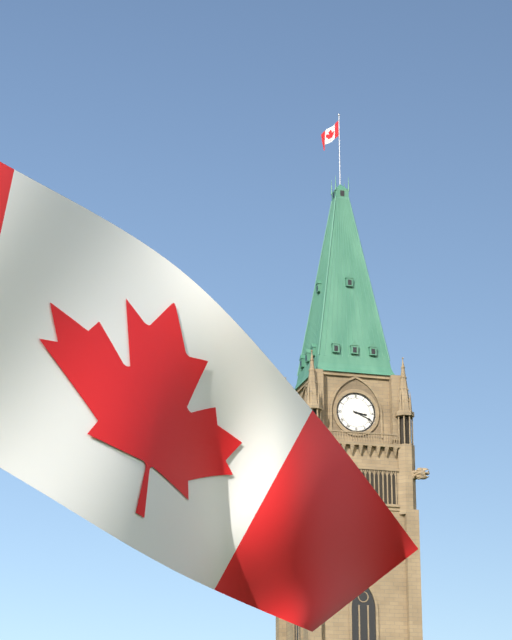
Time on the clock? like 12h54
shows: 3h19
